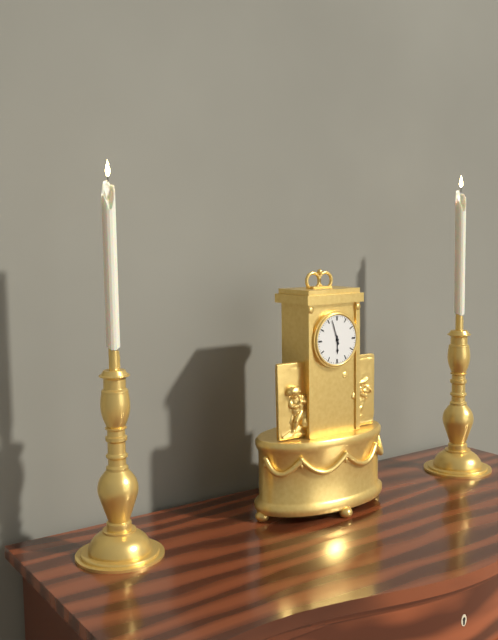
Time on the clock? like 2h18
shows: 5h57
